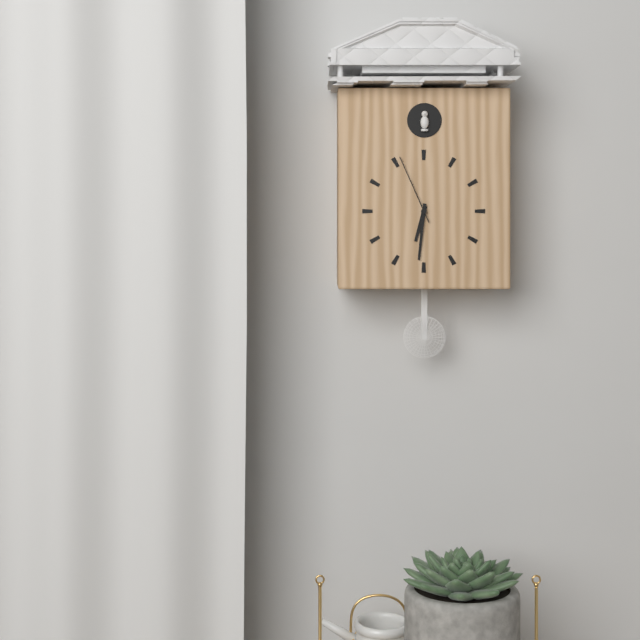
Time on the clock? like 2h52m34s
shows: 6h31m56s
